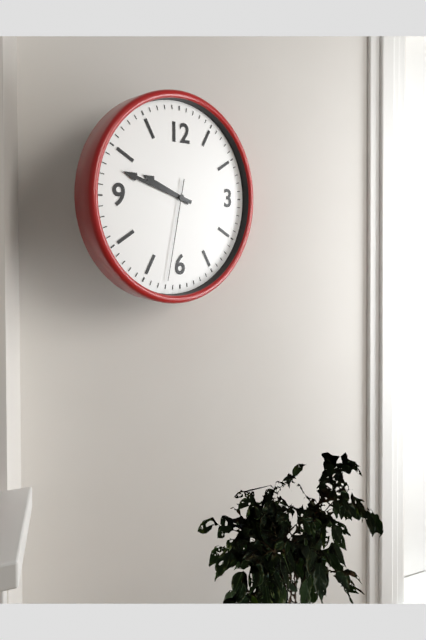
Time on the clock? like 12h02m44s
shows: 9h48m32s
